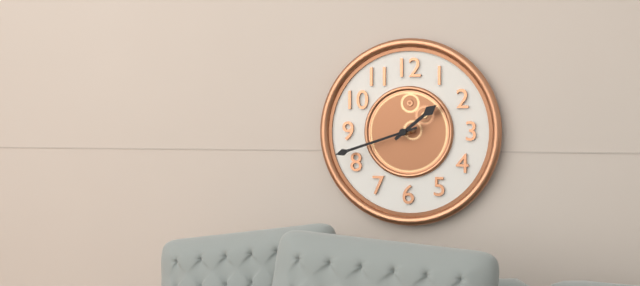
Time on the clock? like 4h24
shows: 1h42
